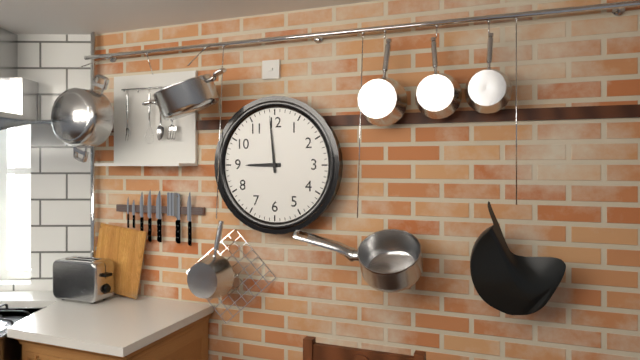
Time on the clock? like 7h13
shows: 8h59
